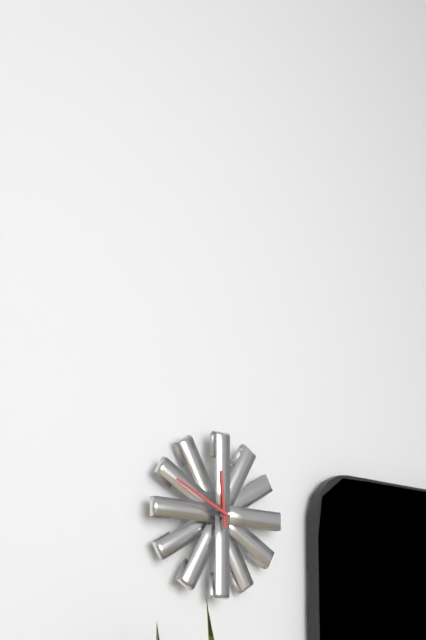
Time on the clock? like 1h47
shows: 11h49
